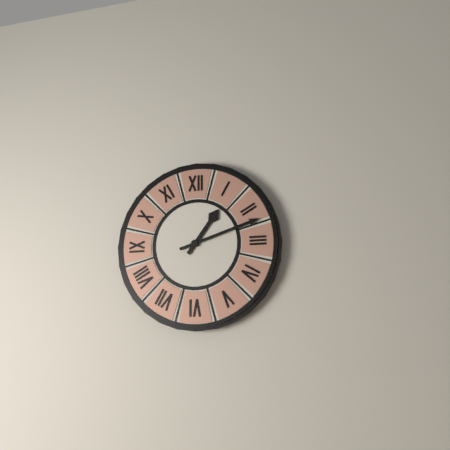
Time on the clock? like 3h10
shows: 1h12
